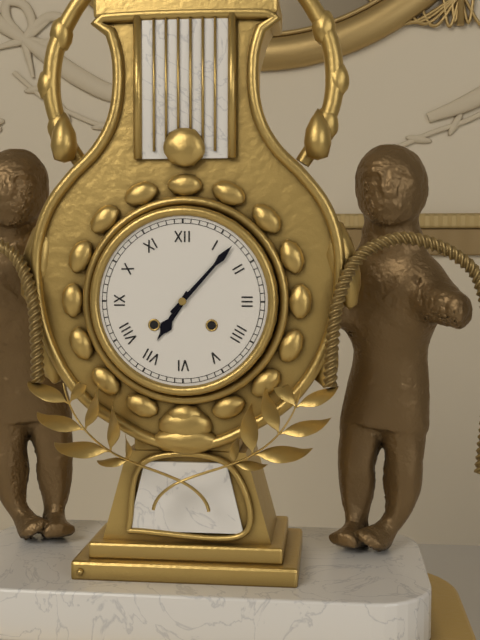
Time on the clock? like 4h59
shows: 7h07
